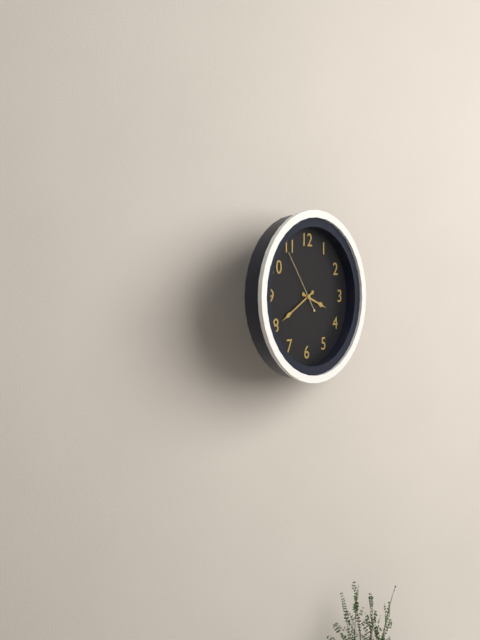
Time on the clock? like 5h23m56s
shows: 3h40m54s
